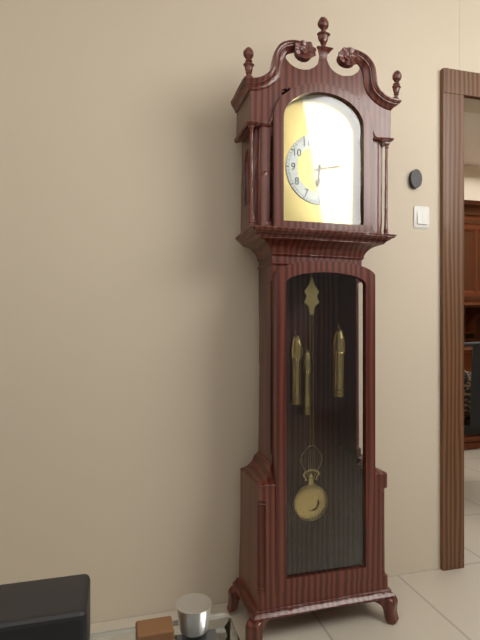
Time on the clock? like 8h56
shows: 6h13
